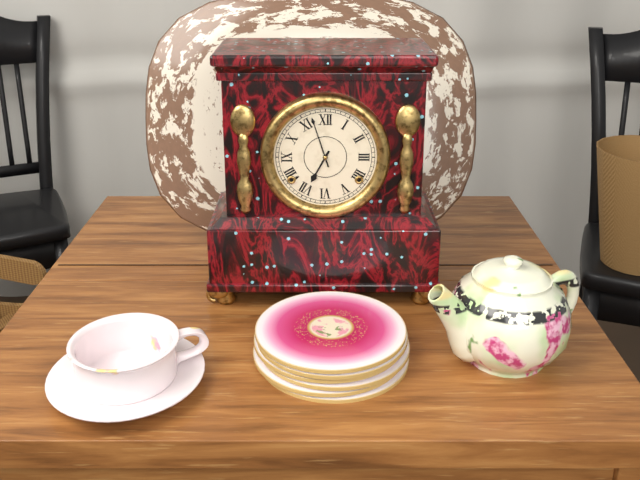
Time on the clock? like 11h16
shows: 6h57
